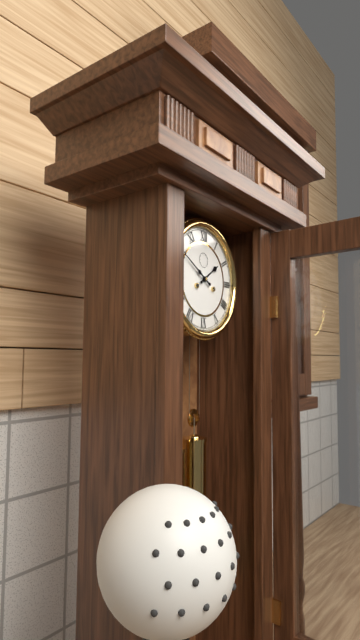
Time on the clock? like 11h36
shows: 1h50
